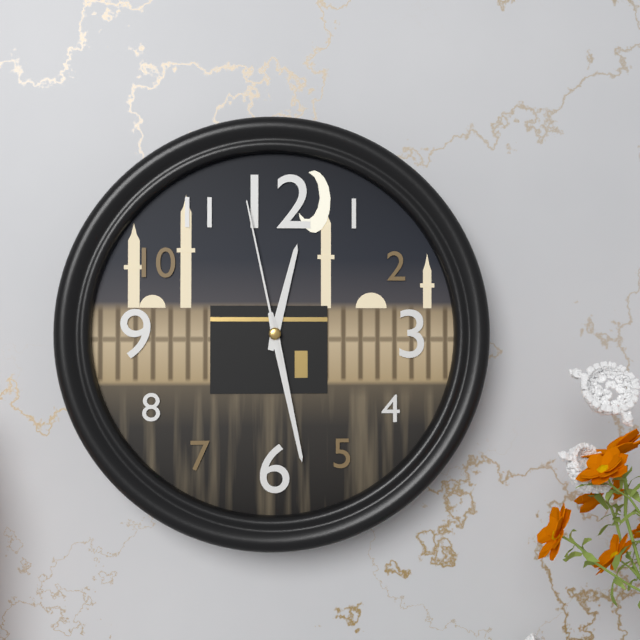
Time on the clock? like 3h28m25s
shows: 12h28m58s
